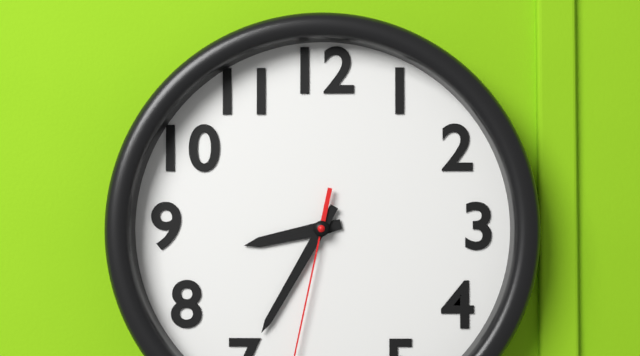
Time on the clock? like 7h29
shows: 8h35
